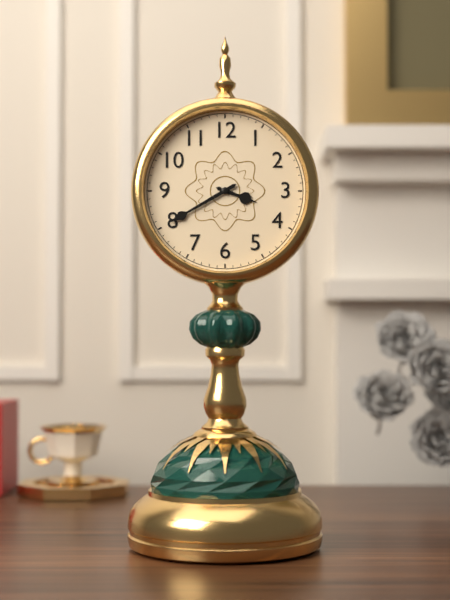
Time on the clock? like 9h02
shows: 3h40
